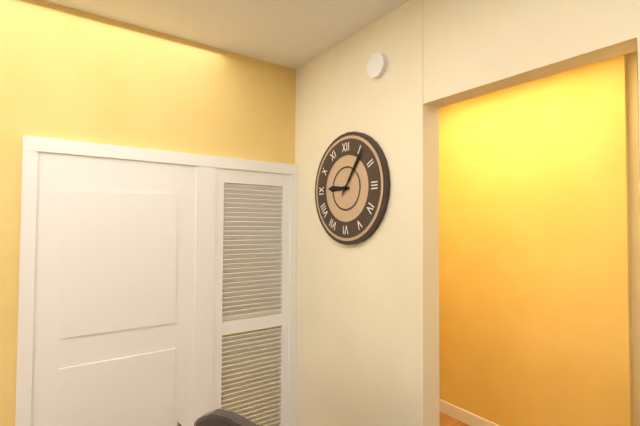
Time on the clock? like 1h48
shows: 9h06
